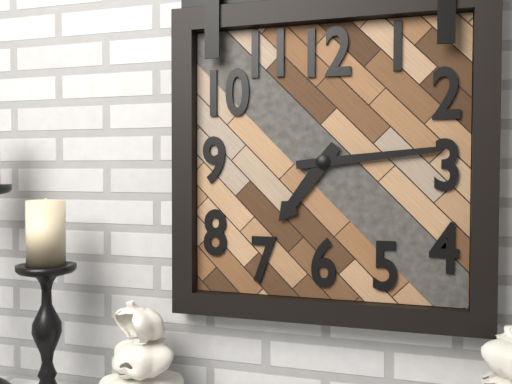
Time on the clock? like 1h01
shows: 7h14
